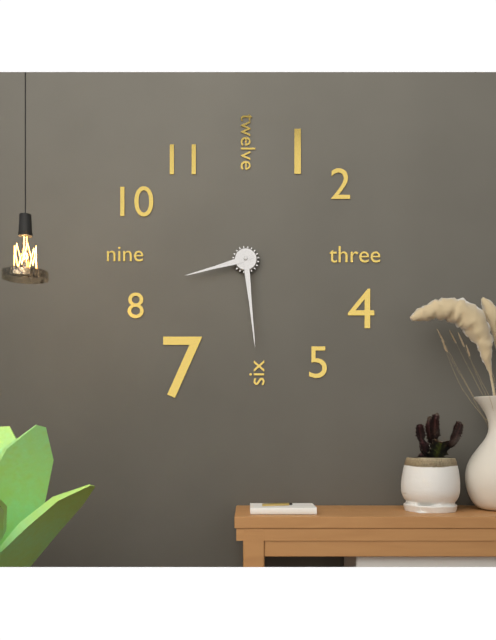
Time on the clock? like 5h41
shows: 8h29
